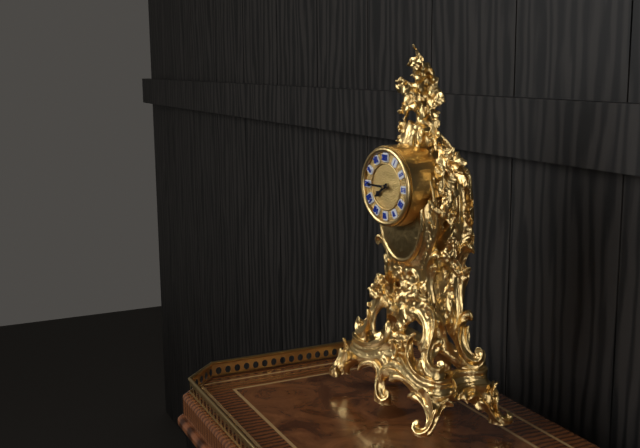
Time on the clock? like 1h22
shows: 7h45
